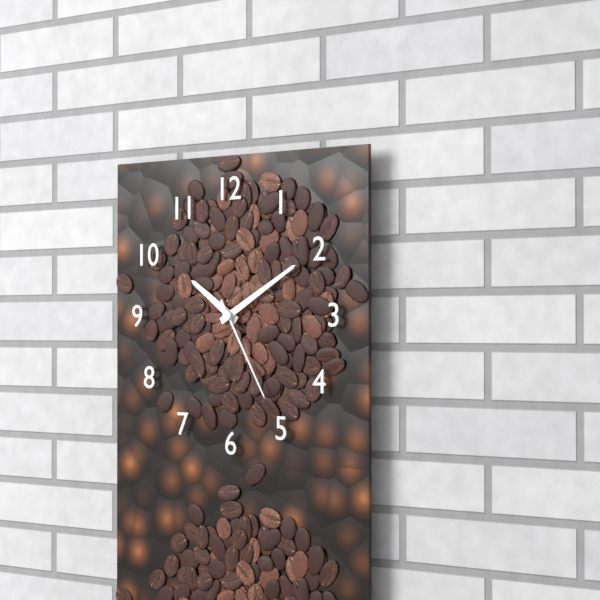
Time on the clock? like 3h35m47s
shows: 10h10m25s
